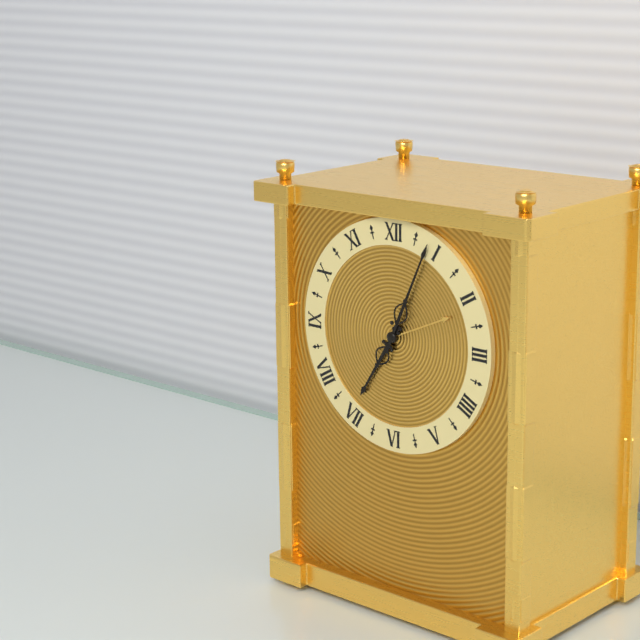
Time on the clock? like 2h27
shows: 7h04
